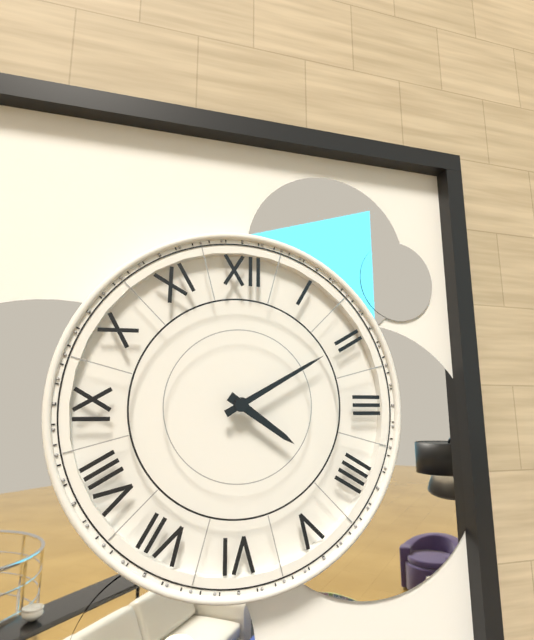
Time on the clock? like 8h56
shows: 4h10
